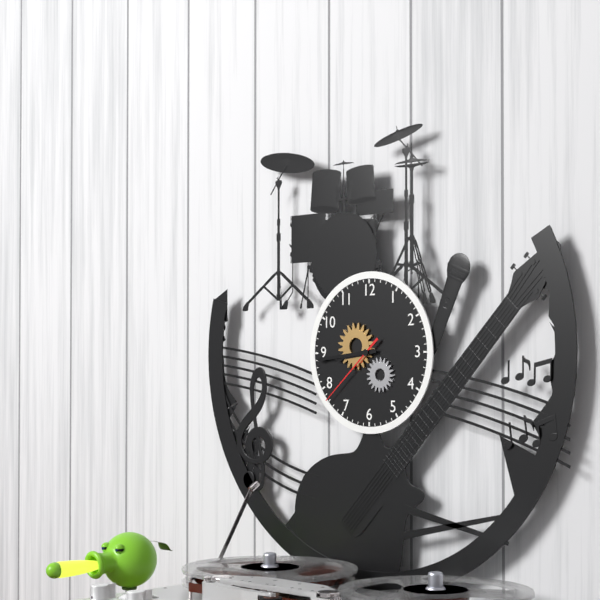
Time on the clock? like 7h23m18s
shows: 8h44m38s
